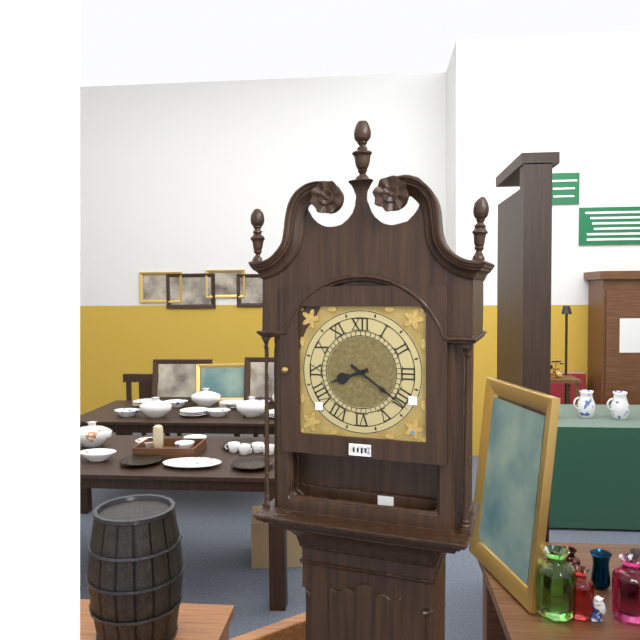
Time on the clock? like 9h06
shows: 8h21
